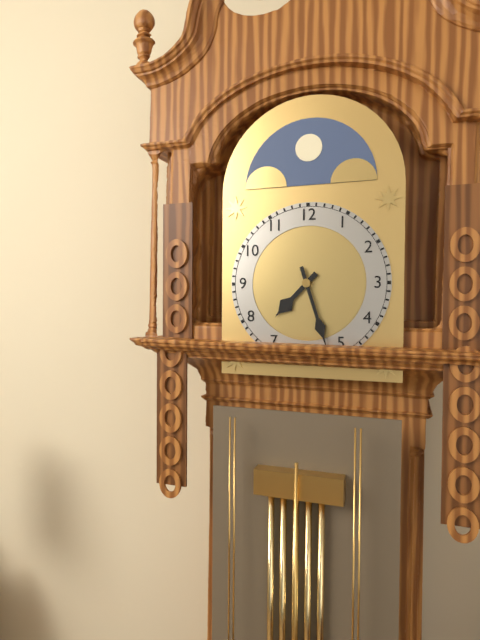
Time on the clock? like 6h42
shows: 7h27
